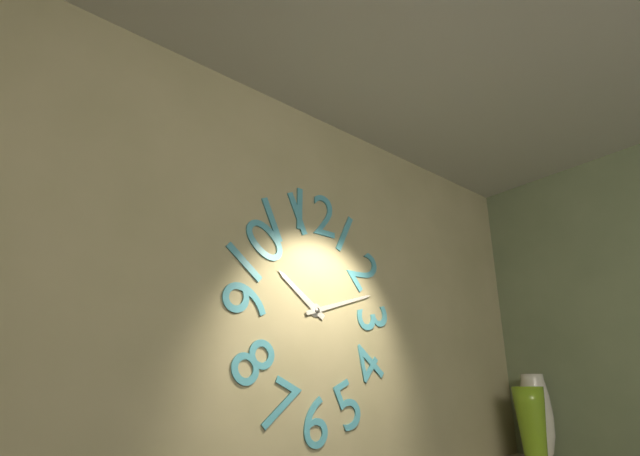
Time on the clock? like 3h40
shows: 10h12
